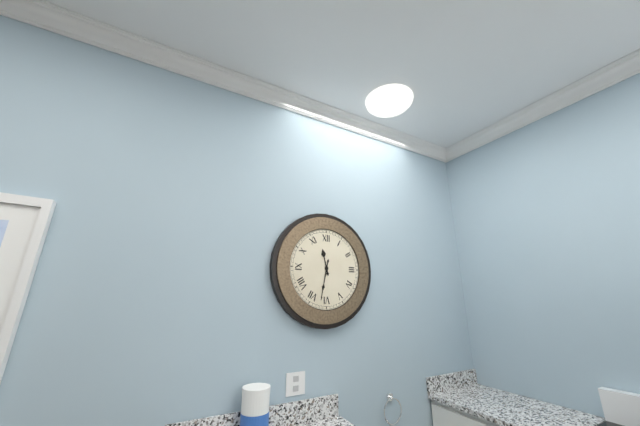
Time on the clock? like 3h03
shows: 11h32
